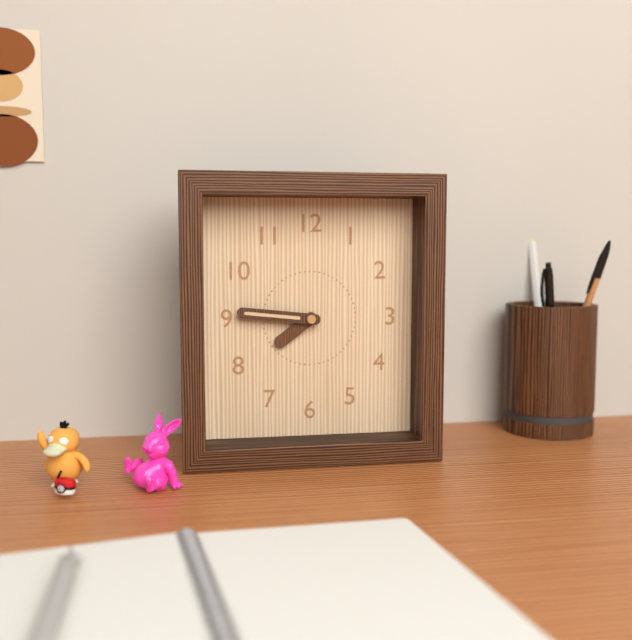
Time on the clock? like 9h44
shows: 7h46
